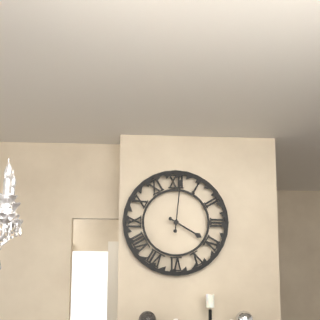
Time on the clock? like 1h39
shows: 4h01
